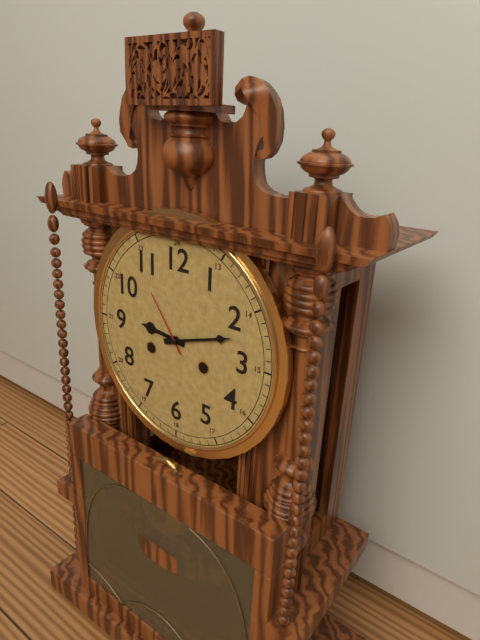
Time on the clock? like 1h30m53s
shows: 9h12m54s
